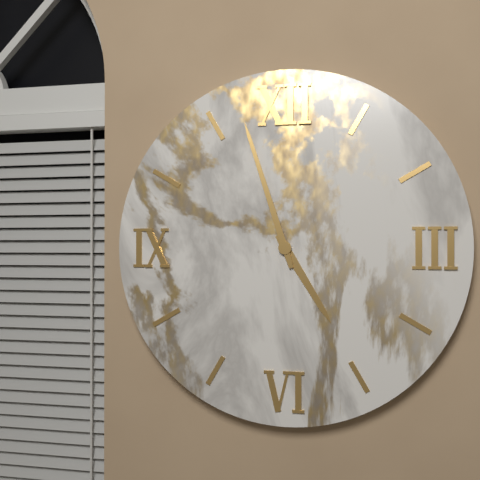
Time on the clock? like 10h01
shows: 4h57
